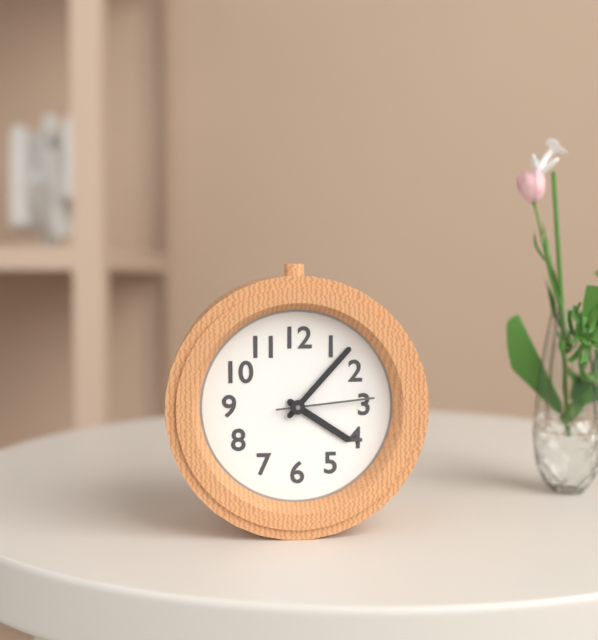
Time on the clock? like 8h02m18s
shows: 4h07m14s
